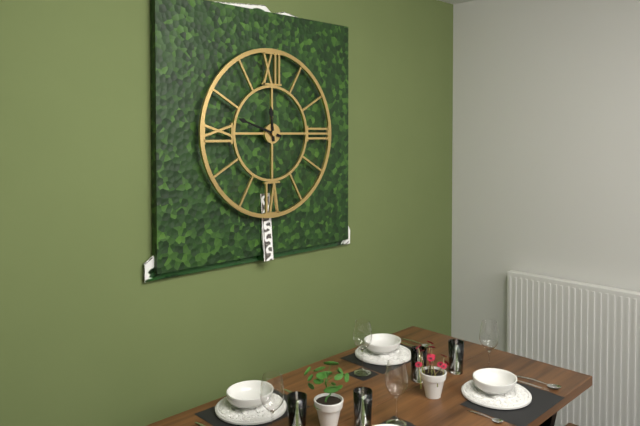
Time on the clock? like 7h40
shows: 11h48
